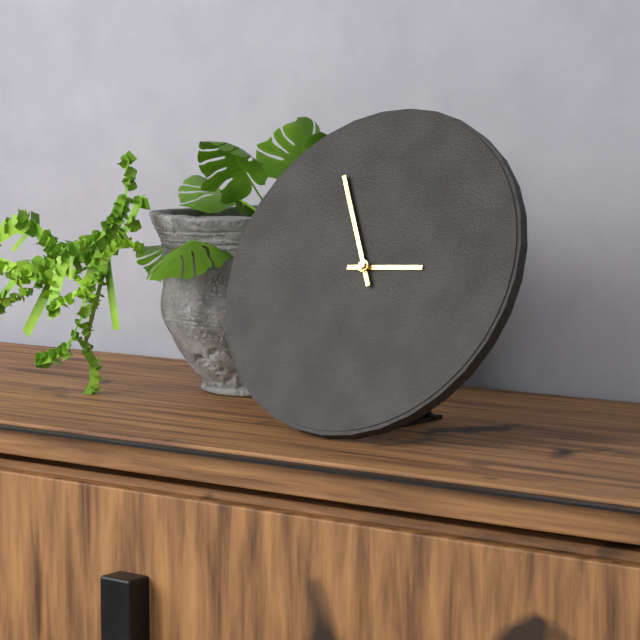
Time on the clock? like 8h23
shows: 2h55
